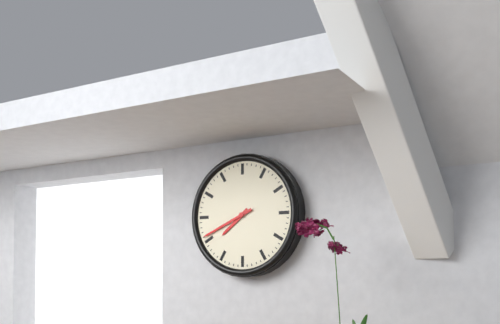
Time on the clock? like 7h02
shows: 7h41
